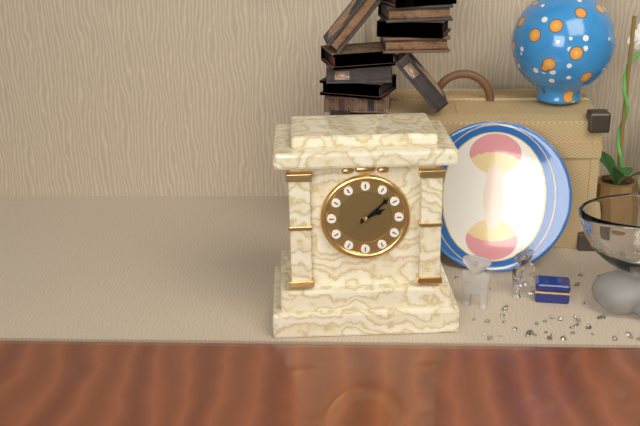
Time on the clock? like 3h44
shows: 2h08
